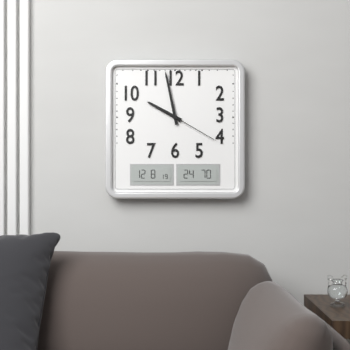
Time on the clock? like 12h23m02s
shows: 9h58m20s
